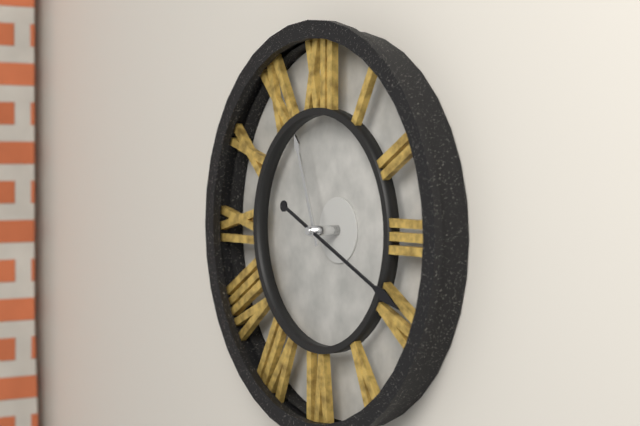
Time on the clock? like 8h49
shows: 11h19
